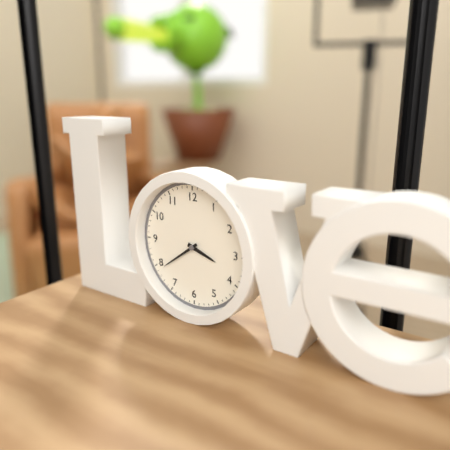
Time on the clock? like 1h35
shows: 3h39
